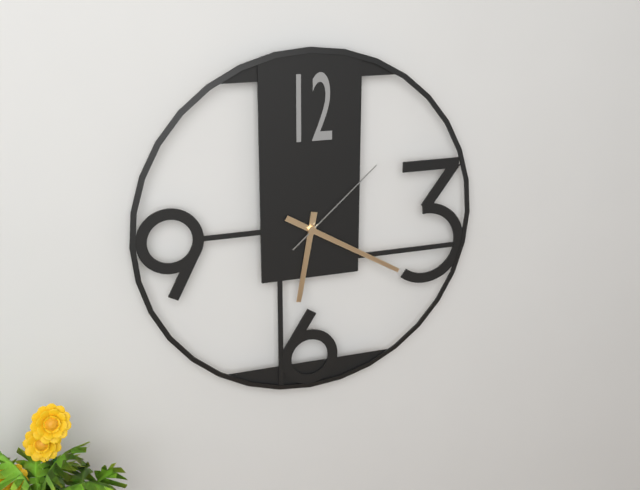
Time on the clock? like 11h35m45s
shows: 6h20m08s
